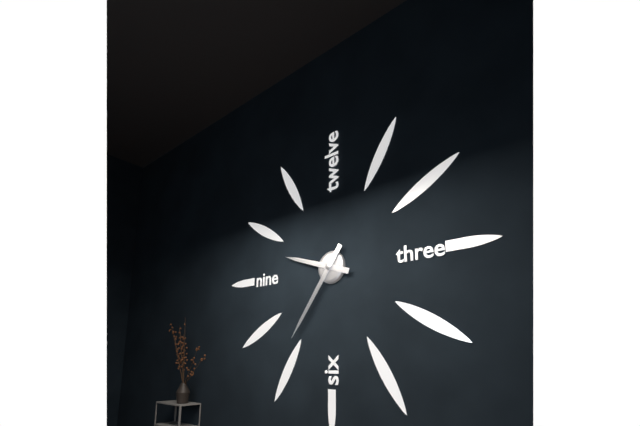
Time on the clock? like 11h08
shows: 9h36
